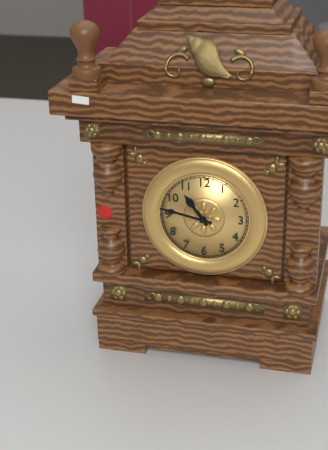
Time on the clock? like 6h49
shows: 10h47
